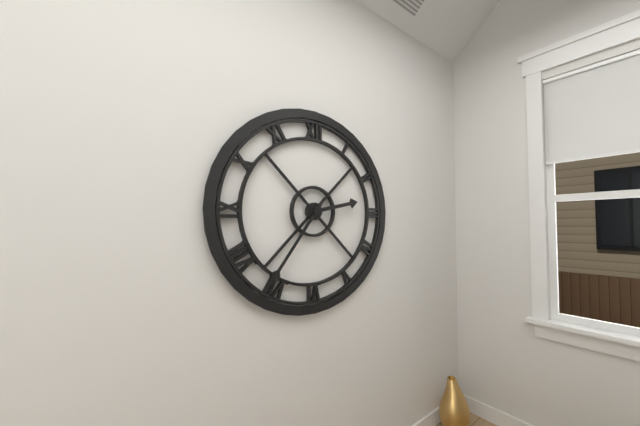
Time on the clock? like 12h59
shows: 2h36
